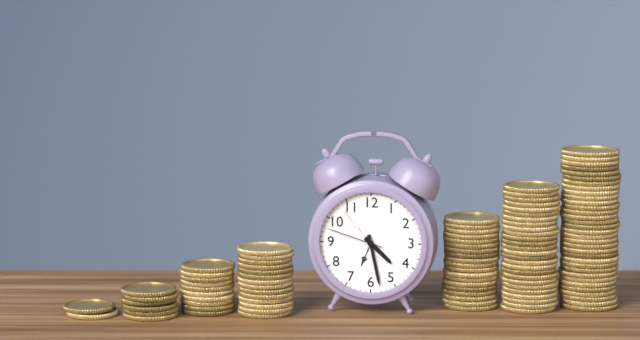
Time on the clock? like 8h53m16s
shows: 4h28m48s
